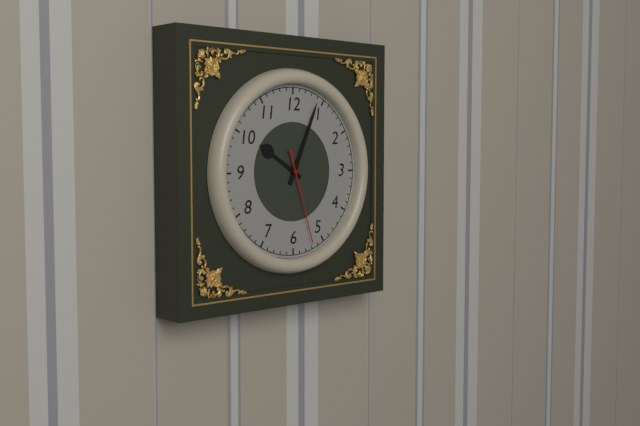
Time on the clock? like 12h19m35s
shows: 10h04m27s
